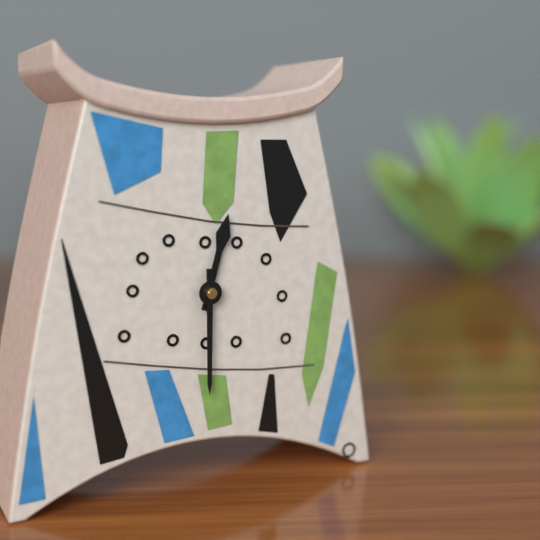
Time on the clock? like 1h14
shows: 12h30
